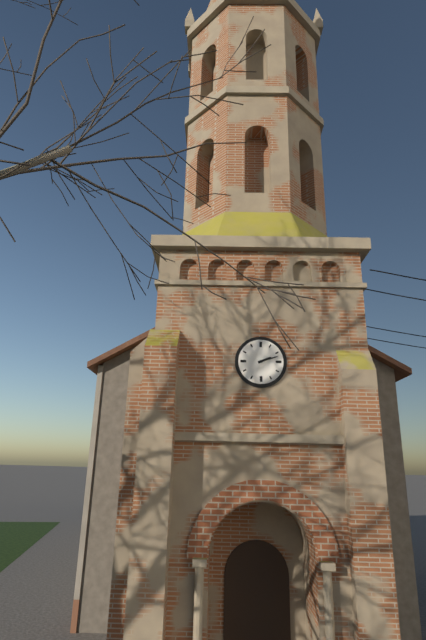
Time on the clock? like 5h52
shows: 2h12
